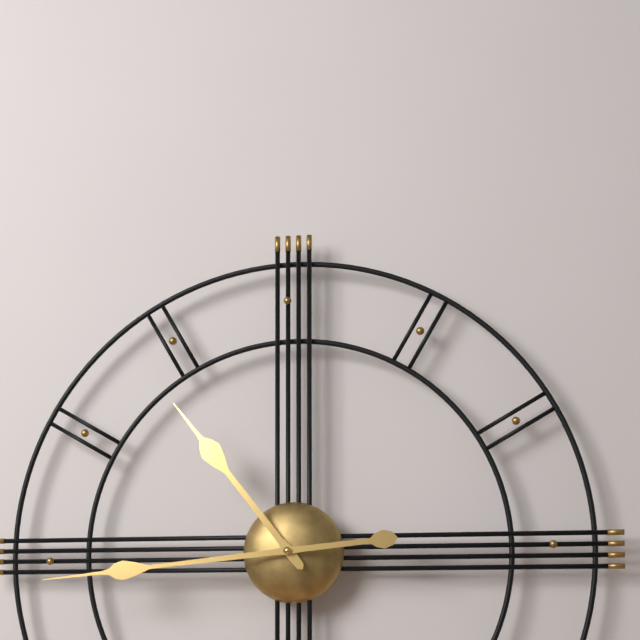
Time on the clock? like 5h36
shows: 10h44
